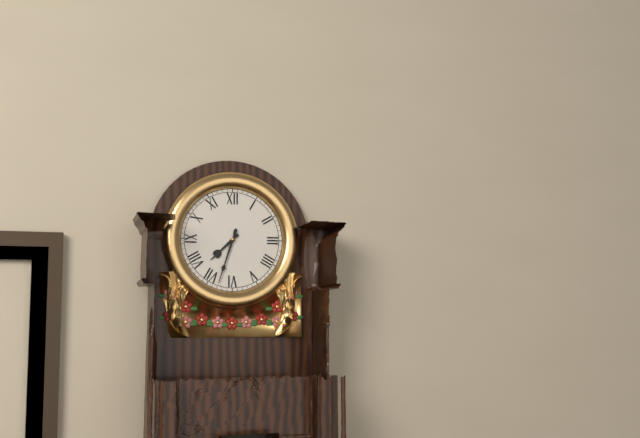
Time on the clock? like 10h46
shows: 7h33
